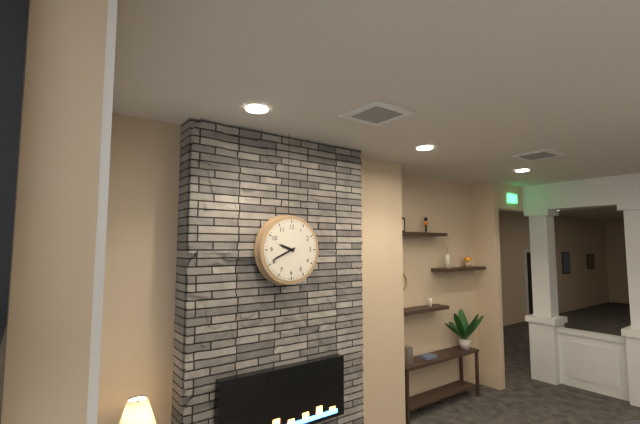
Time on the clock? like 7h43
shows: 9h41
